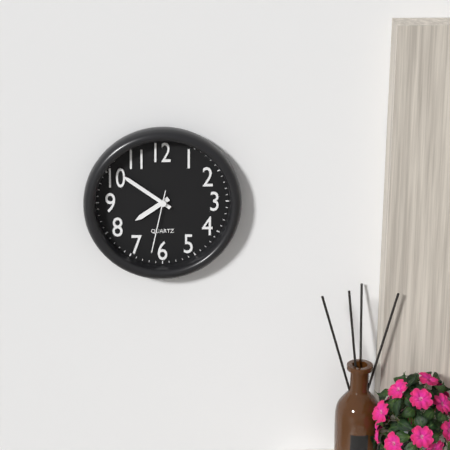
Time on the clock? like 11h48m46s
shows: 7h51m32s
